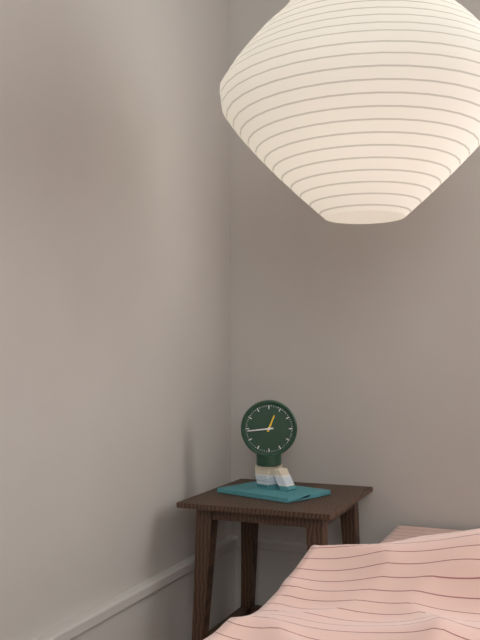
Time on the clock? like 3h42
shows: 12h44
